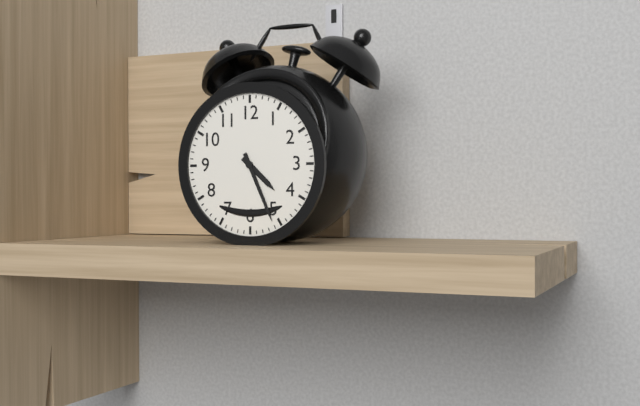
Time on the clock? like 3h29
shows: 4h26
